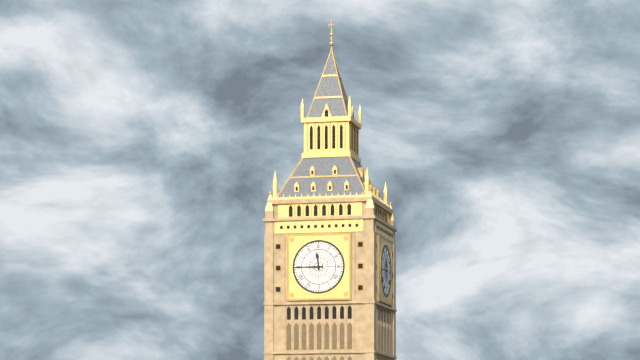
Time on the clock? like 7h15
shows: 11h45
